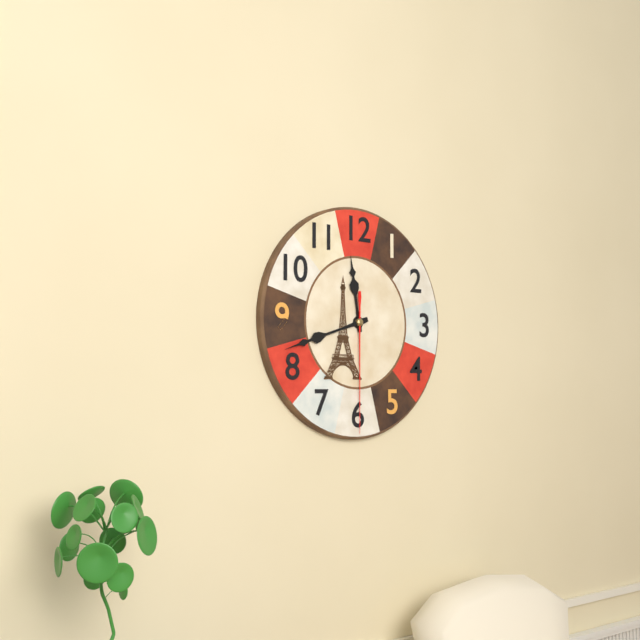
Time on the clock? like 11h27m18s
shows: 11h42m30s
